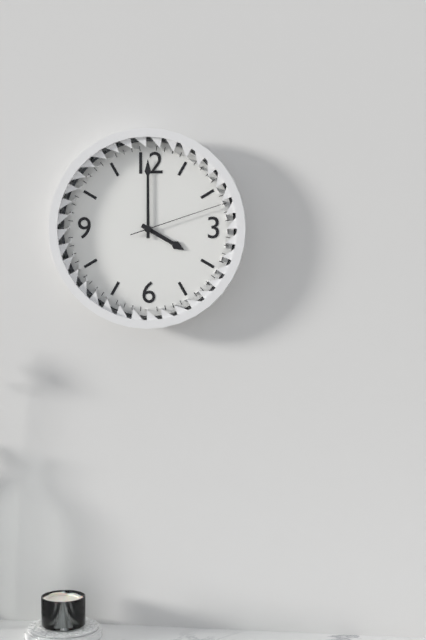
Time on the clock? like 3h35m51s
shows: 4h00m12s
